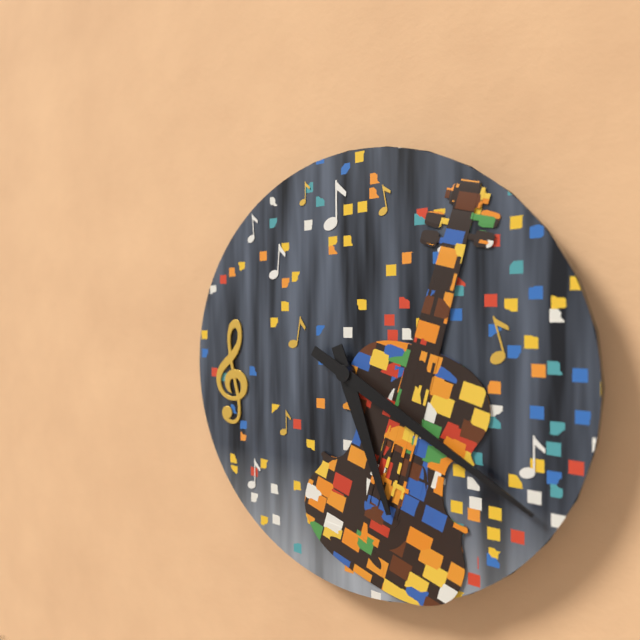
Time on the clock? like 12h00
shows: 5h20
